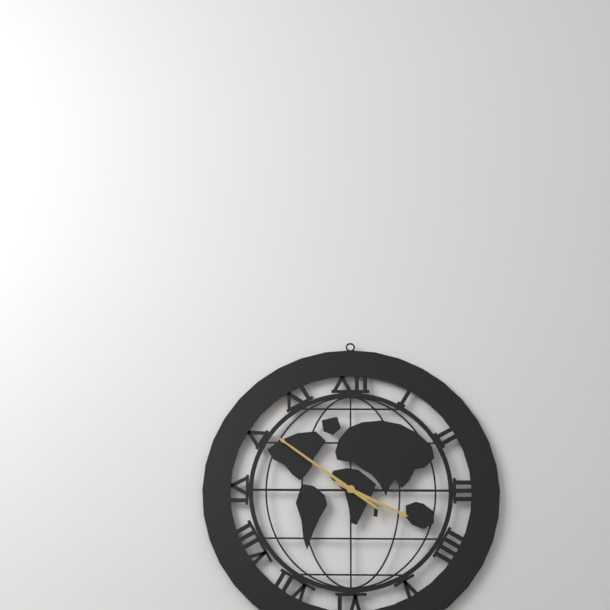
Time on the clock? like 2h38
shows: 3h51
